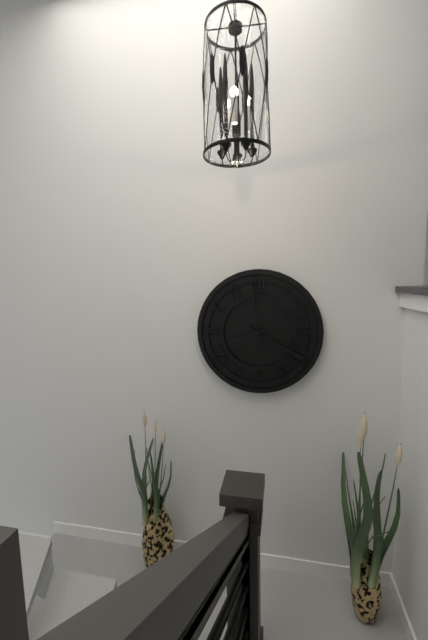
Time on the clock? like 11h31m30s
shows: 8h20m59s
